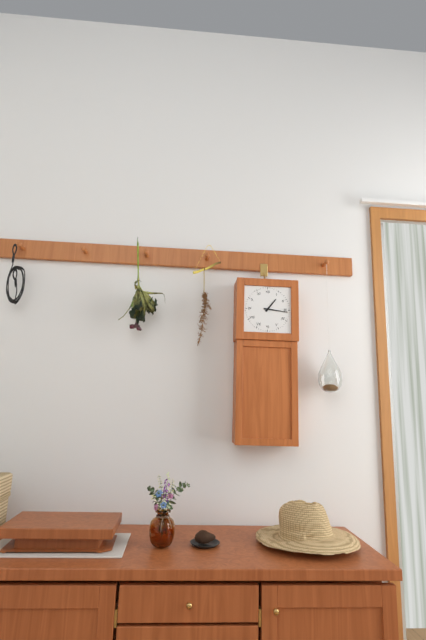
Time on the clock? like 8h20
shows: 1h16
